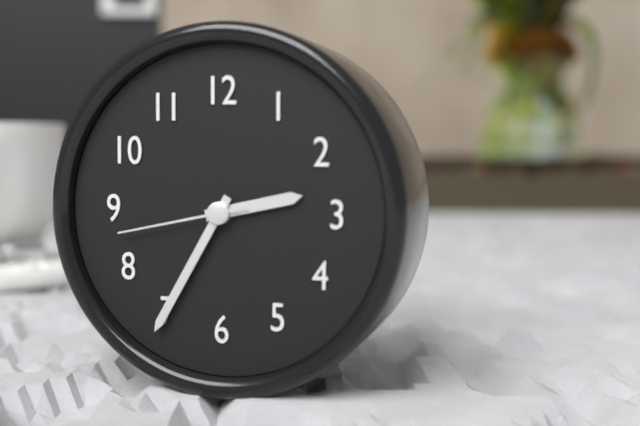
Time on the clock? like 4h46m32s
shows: 2h35m43s
